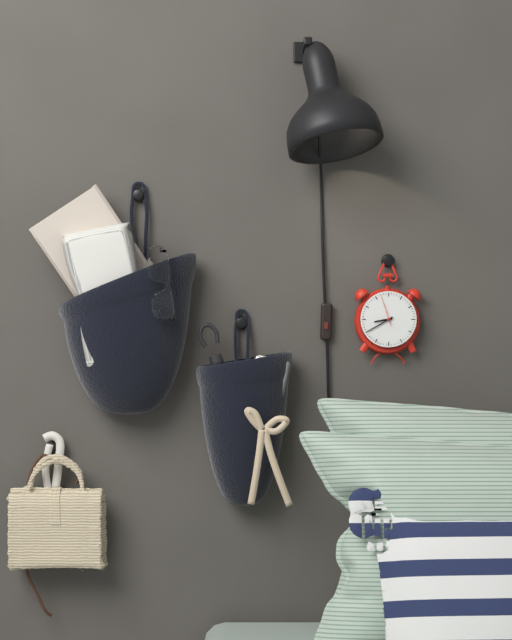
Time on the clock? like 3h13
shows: 8h40
